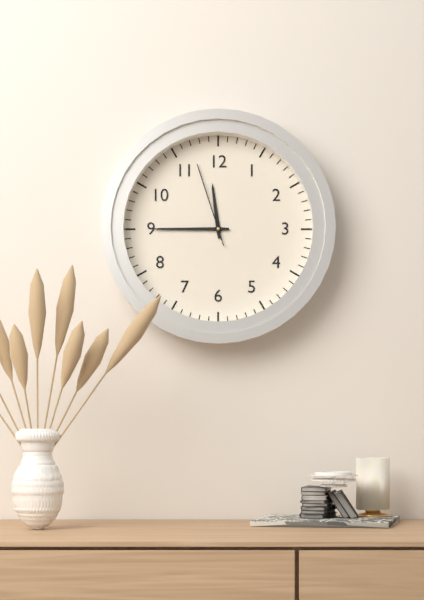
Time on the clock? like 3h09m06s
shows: 11h45m57s
